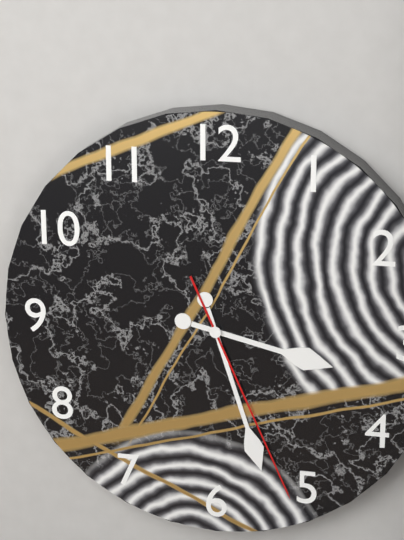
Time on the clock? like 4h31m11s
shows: 3h27m26s
